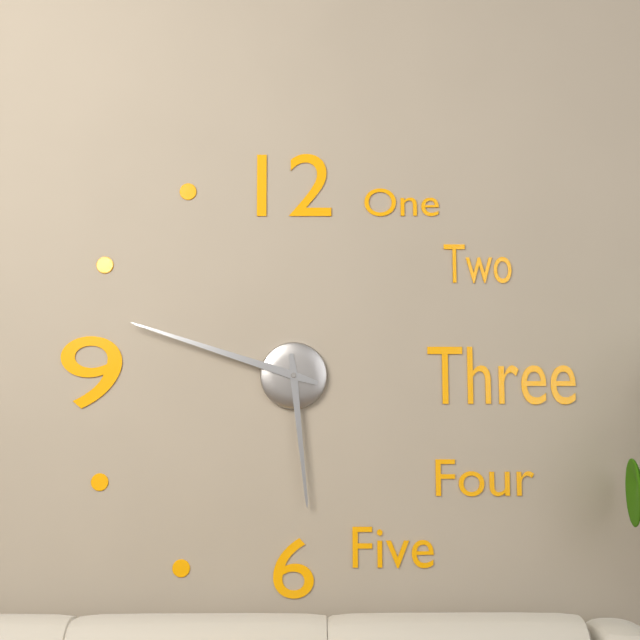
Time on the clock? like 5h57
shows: 5h48
